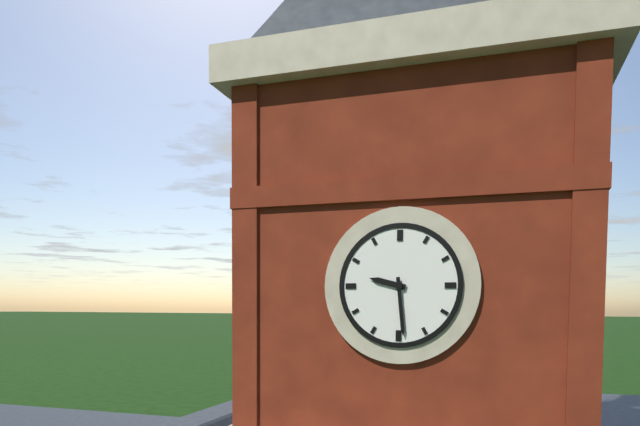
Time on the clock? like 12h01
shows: 9h29
